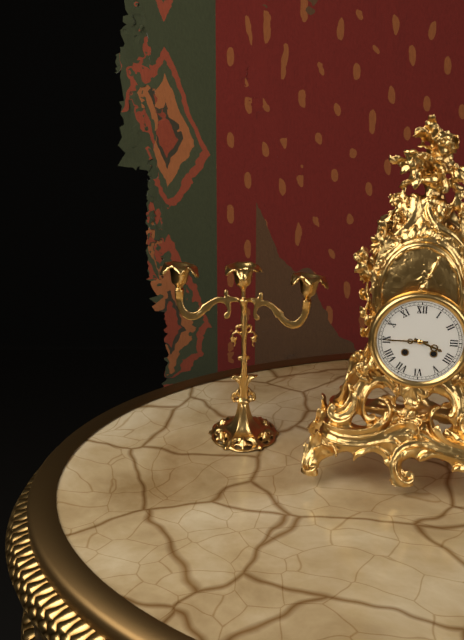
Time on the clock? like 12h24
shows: 3h45
